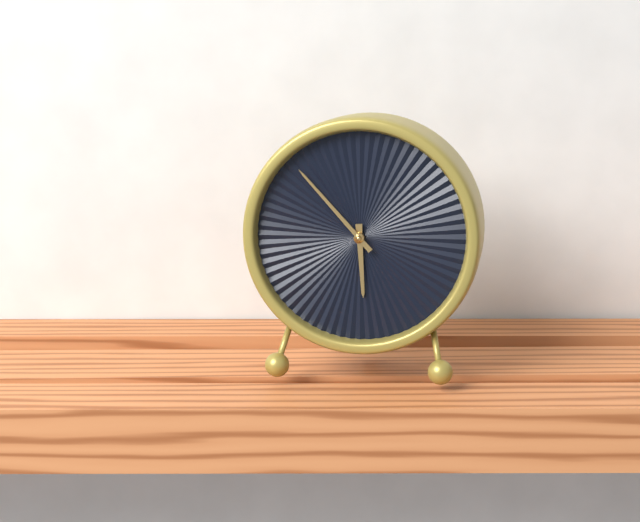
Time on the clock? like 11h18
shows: 5h53
